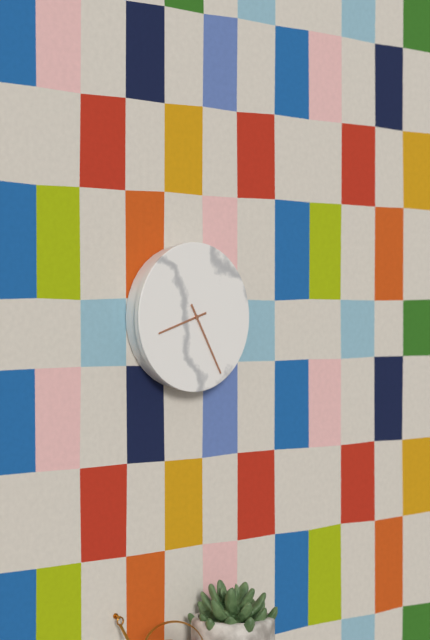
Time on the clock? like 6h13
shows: 8h25
